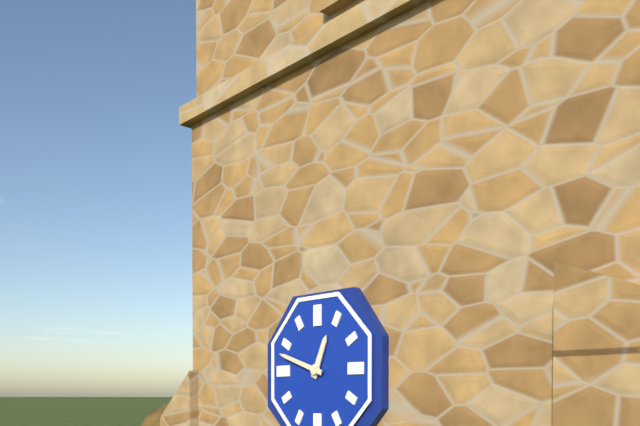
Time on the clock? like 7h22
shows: 12h48
